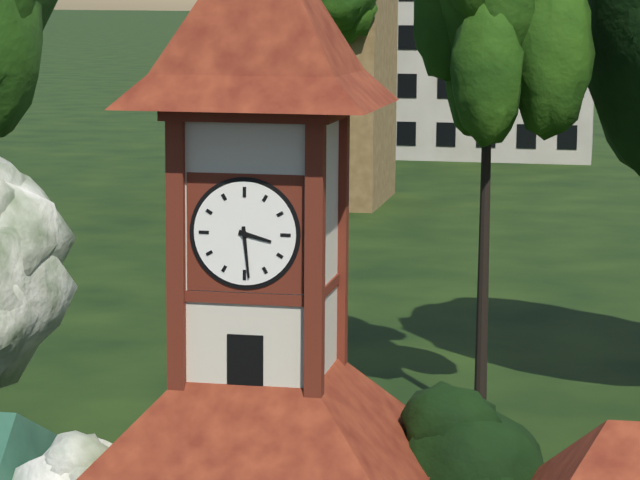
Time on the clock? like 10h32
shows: 3h29
